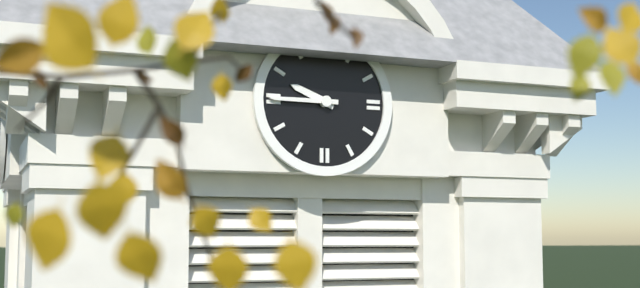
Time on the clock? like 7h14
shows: 9h45
